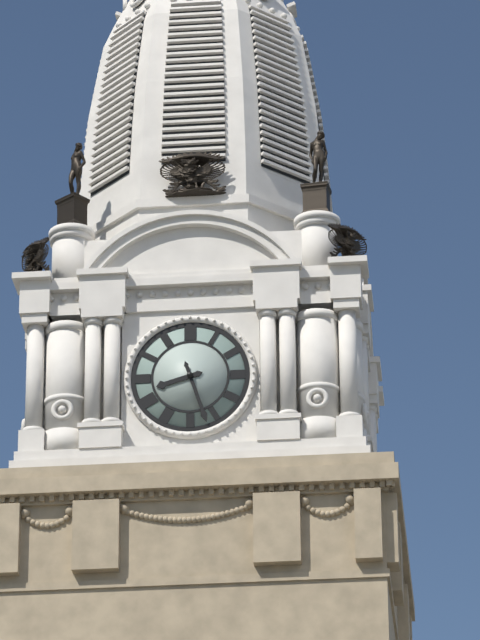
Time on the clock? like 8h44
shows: 8h27
